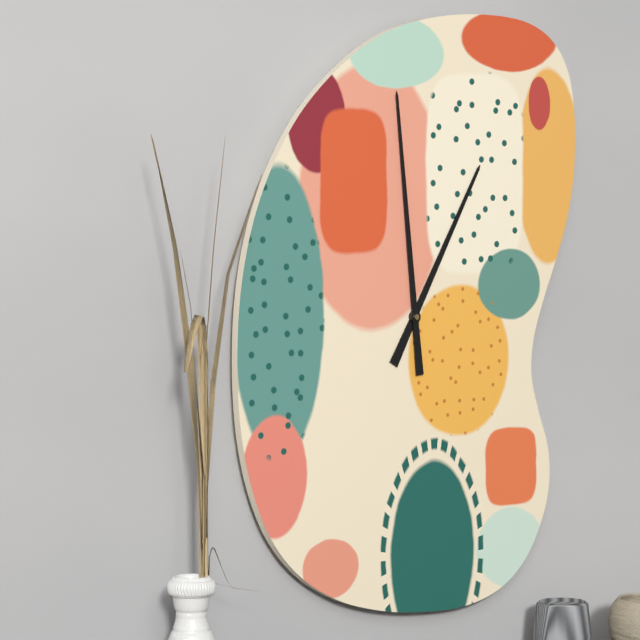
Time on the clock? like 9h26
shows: 12h59
